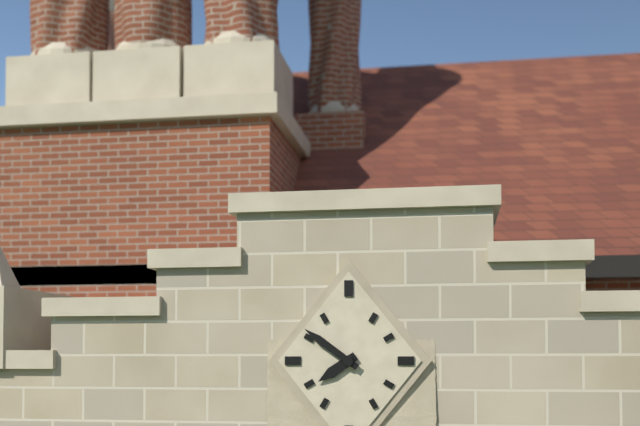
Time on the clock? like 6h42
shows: 7h51
